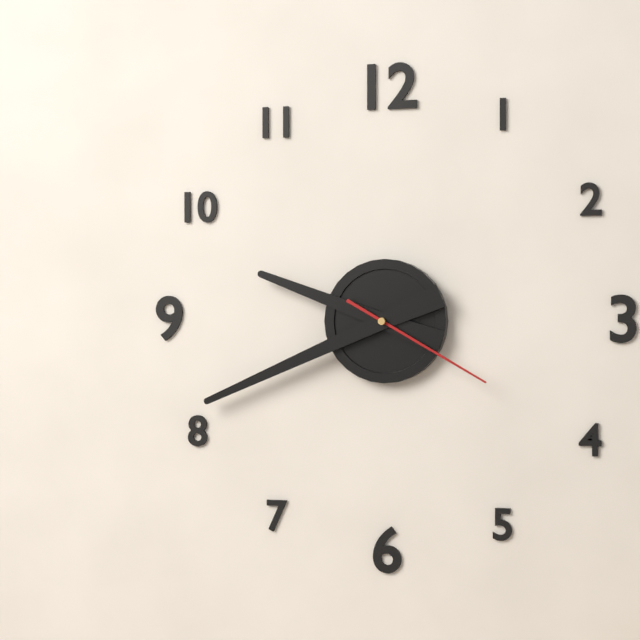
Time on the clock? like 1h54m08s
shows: 9h41m20s
